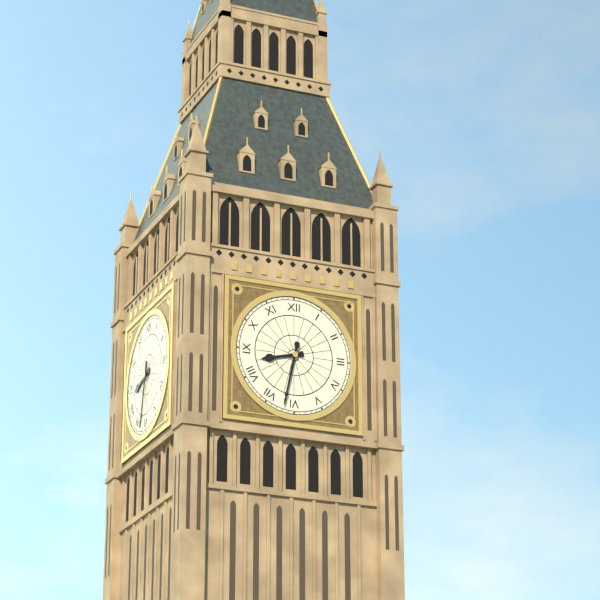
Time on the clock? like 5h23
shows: 8h32
